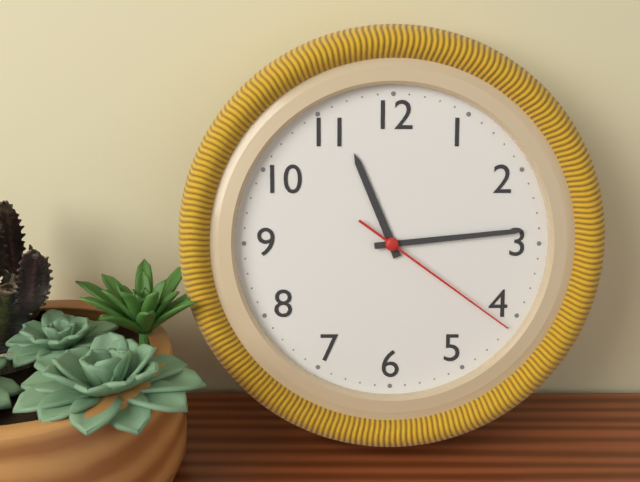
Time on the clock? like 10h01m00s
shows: 11h14m21s
